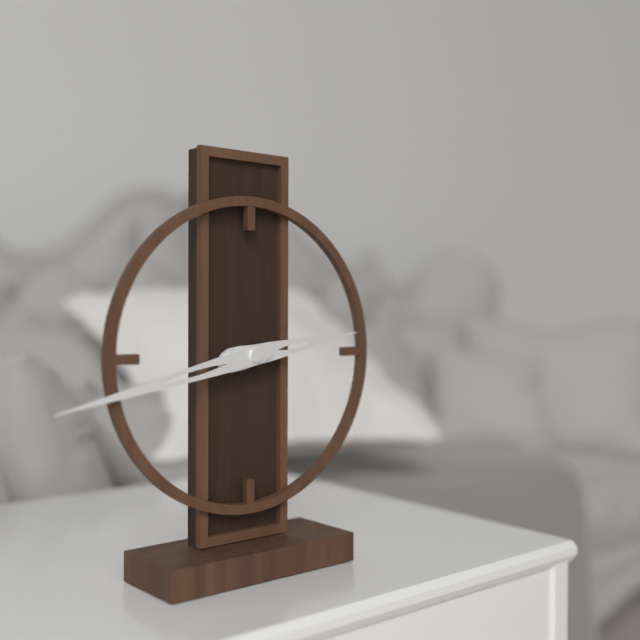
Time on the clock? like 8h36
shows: 2h43
